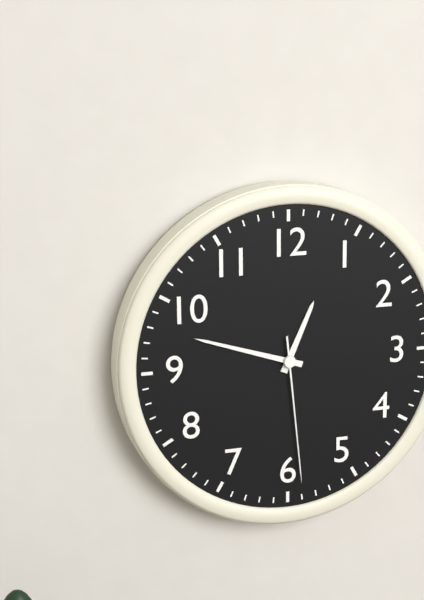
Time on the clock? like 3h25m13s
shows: 12h48m29s
